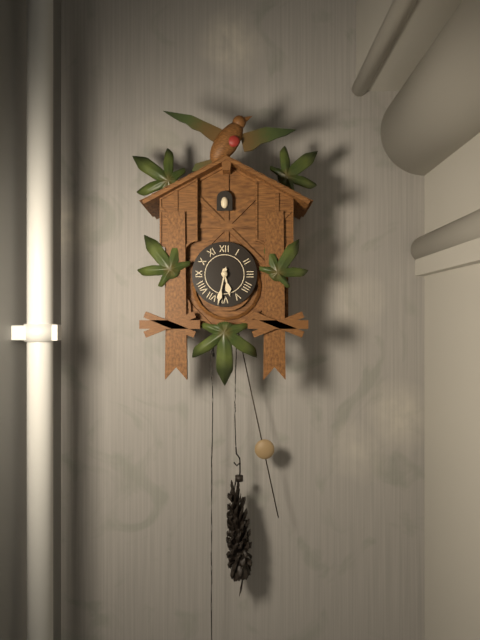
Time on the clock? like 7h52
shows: 5h32
